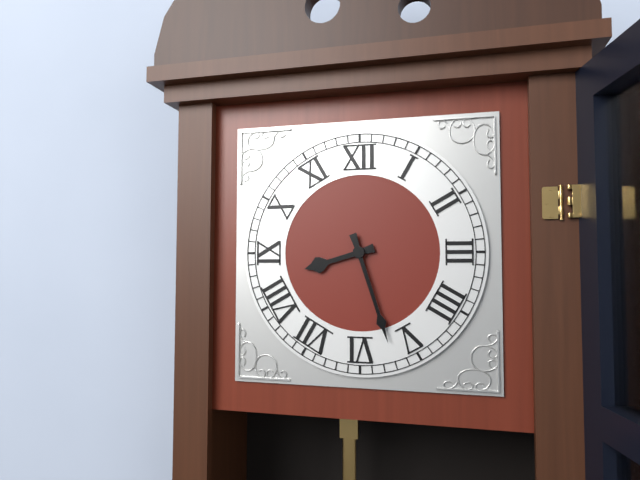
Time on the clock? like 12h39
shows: 8h27
